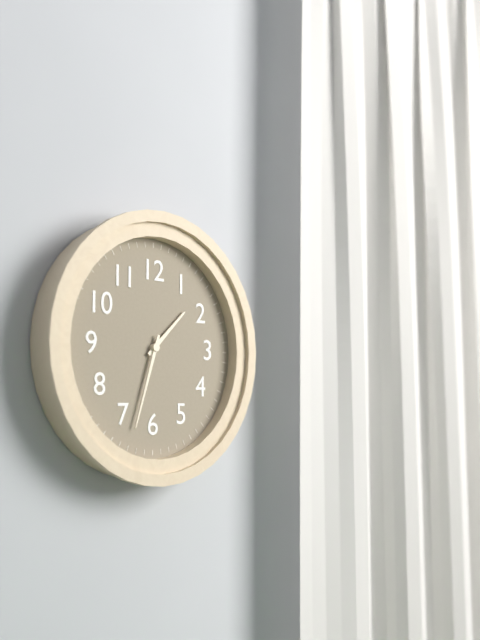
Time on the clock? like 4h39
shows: 1h33
